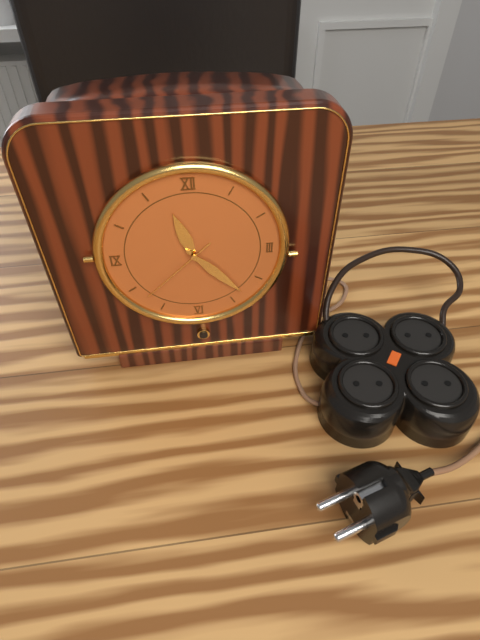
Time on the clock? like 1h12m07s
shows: 11h23m38s
